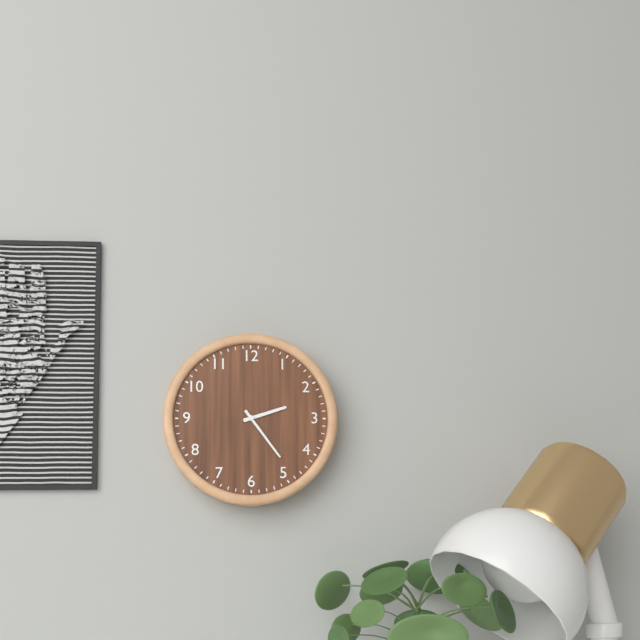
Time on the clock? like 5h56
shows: 2h24
